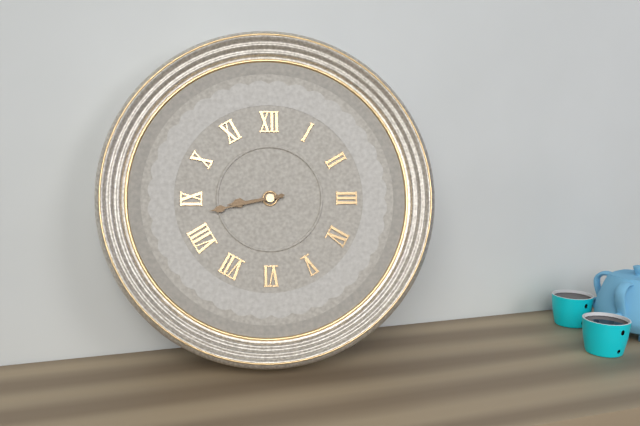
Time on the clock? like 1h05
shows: 8h43
